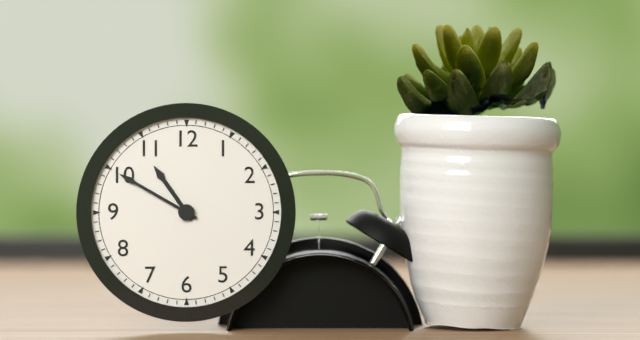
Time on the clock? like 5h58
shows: 10h50
